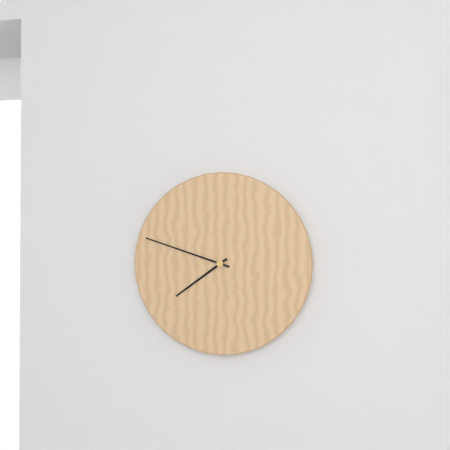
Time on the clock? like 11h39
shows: 7h48
